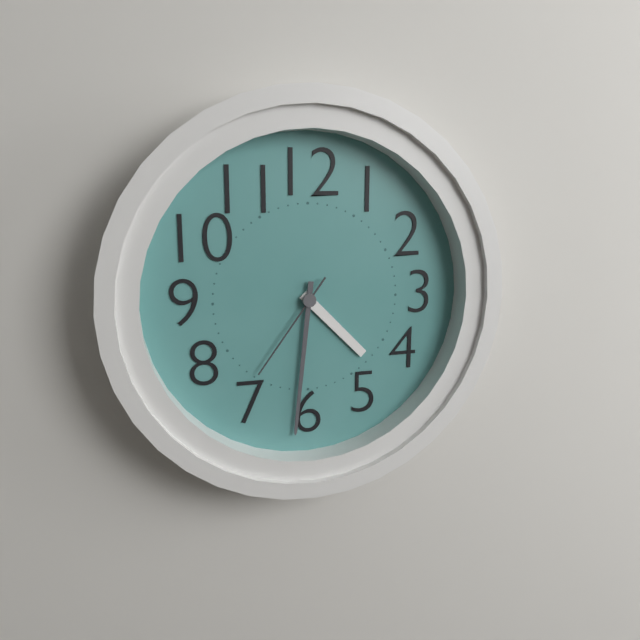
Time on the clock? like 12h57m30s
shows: 4h31m36s
